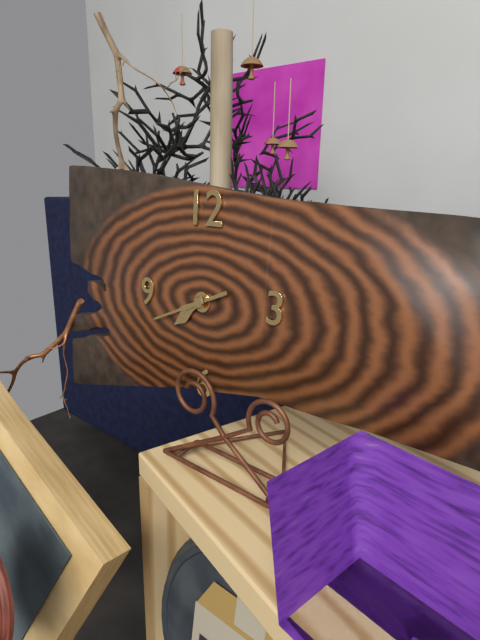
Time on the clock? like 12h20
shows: 7h41
